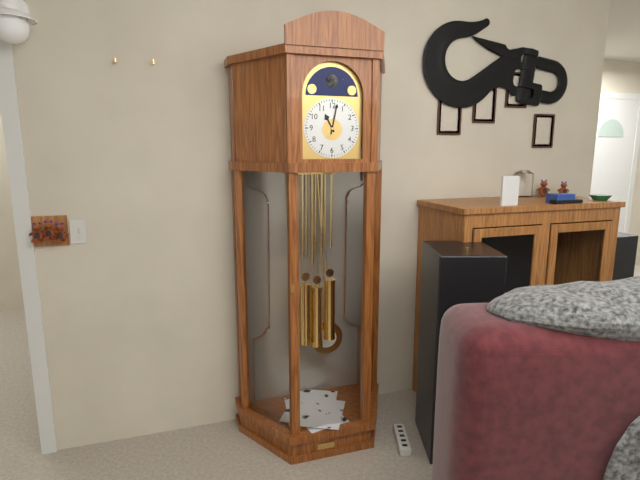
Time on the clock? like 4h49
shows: 11h02
